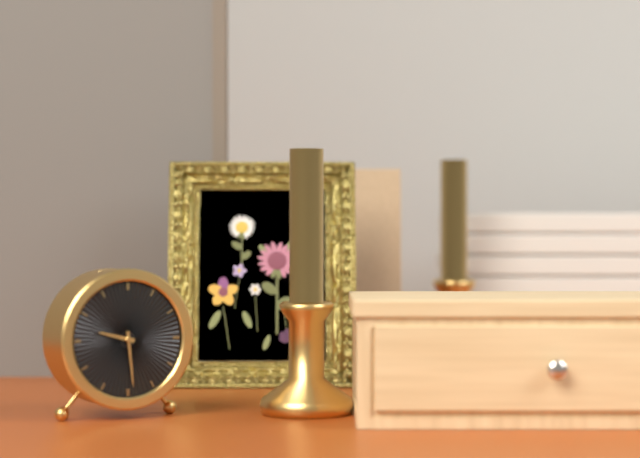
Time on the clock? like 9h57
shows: 9h29
